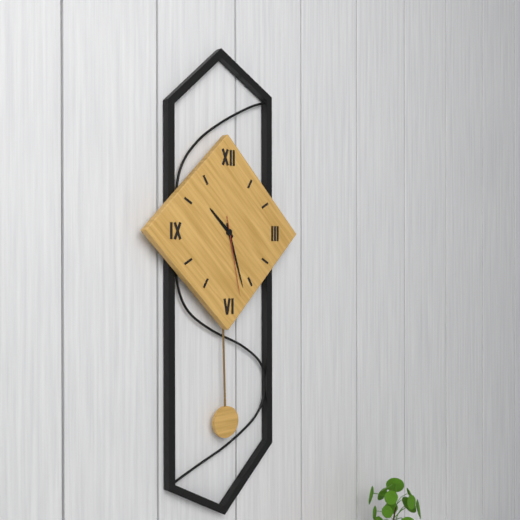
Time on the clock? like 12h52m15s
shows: 10h27m28s
